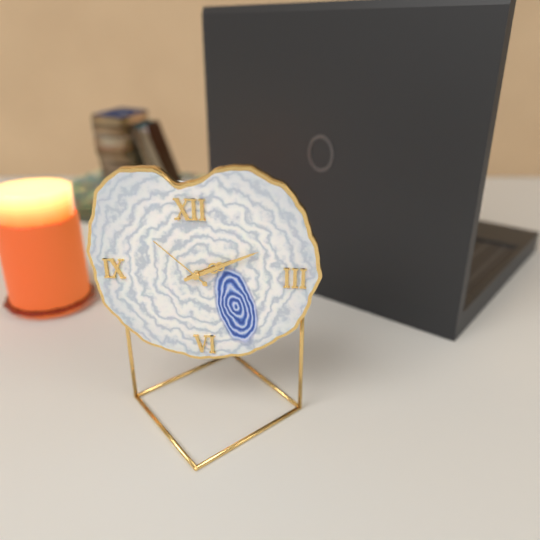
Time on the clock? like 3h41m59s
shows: 2h11m52s
